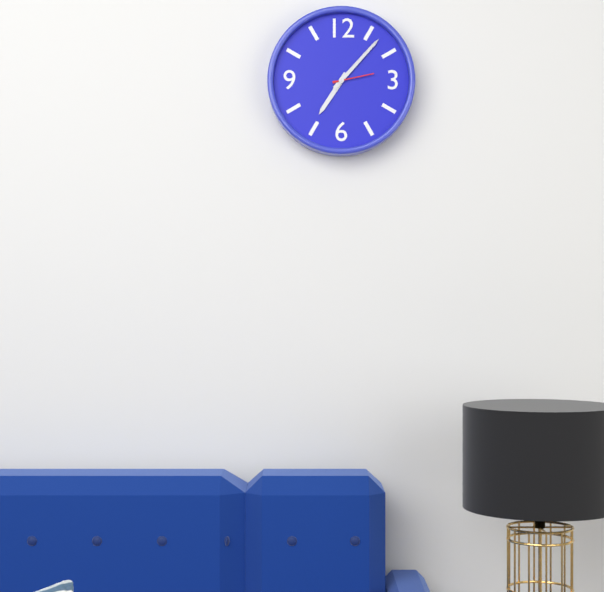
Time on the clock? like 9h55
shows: 7h07
